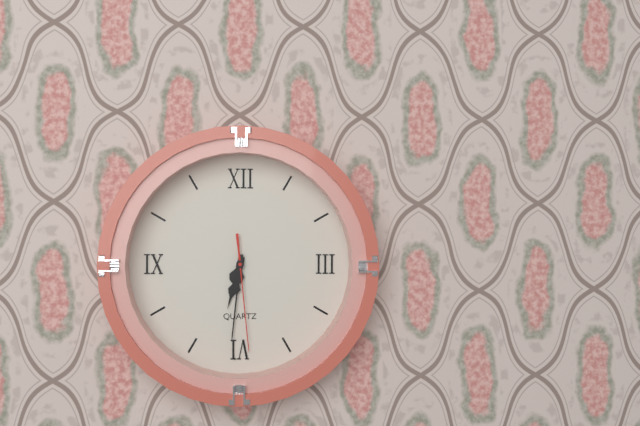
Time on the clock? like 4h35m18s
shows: 6h31m29s
